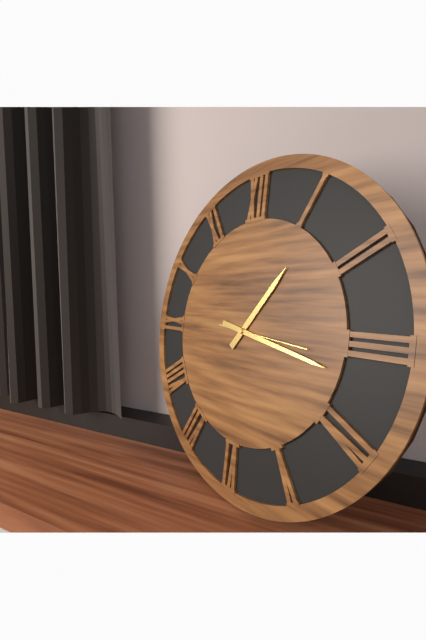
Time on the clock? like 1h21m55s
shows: 1h17m16s
